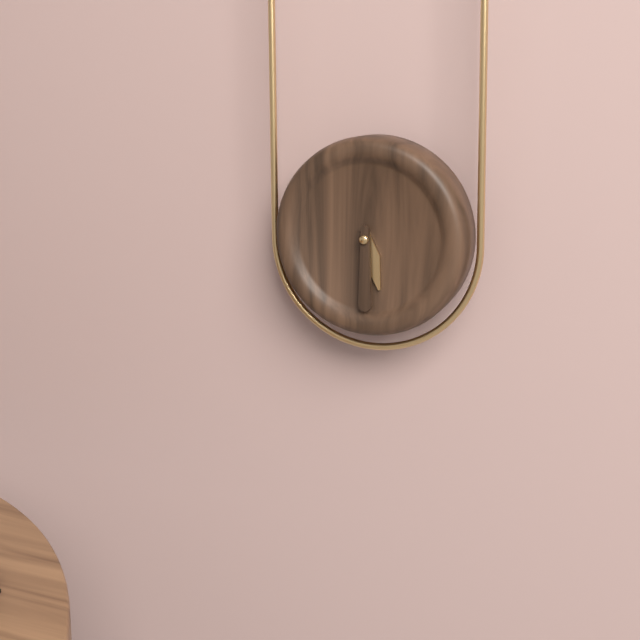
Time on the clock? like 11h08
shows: 5h30
